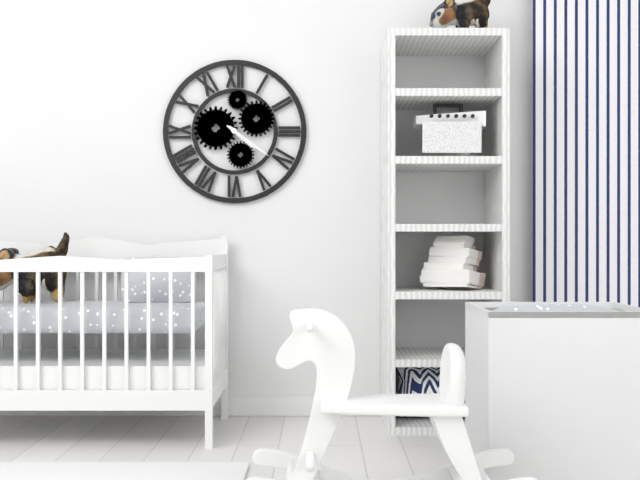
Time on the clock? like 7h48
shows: 4h21
